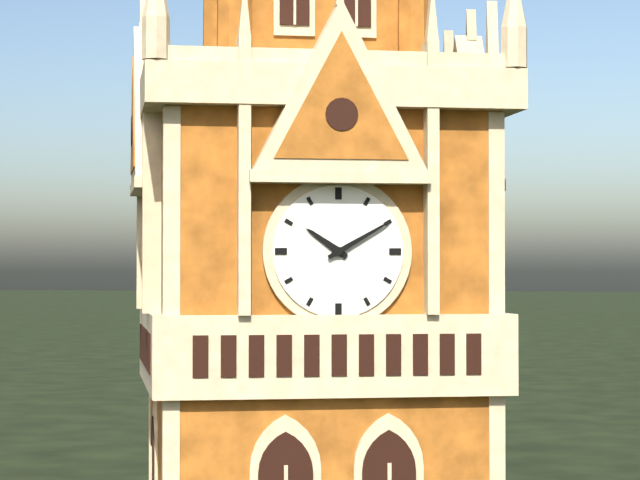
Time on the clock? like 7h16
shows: 10h10
